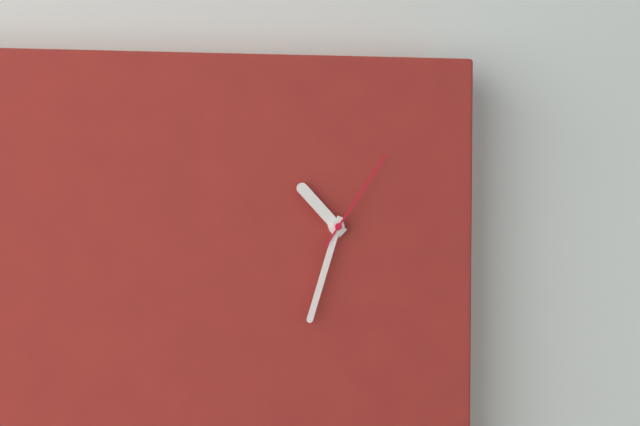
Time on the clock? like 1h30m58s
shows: 10h33m06s
